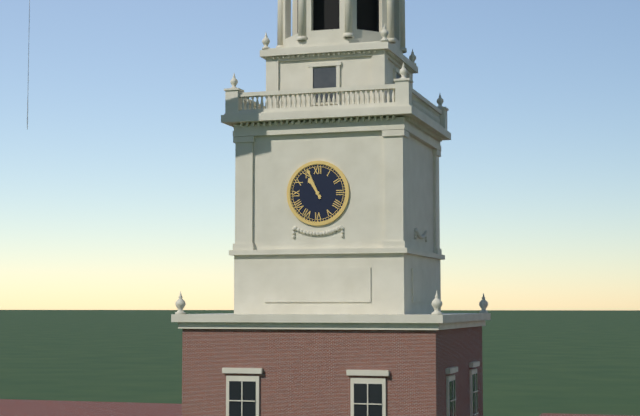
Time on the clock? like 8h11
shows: 10h56
